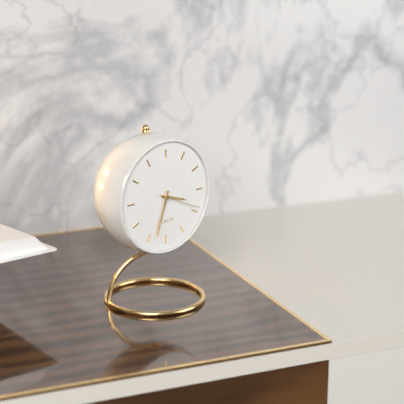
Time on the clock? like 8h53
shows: 3h33
